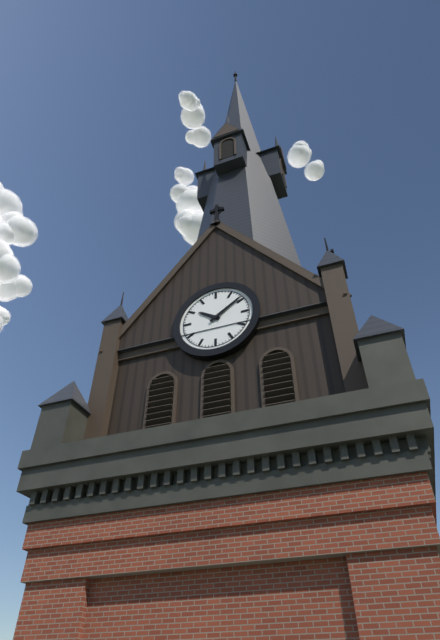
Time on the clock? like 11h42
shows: 10h09
